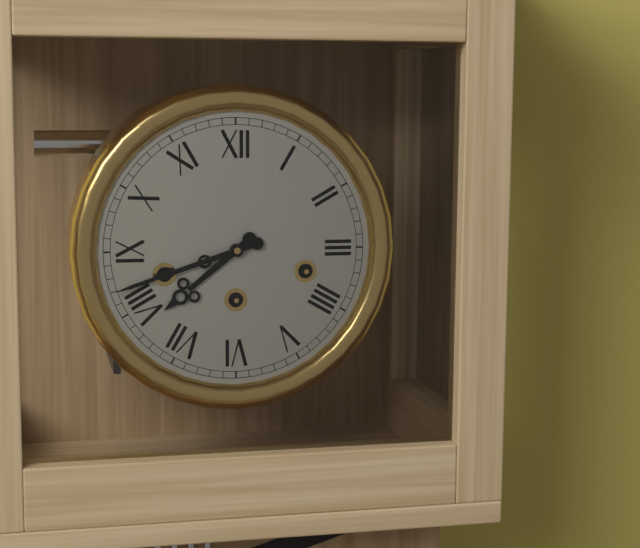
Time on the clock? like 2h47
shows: 7h42
